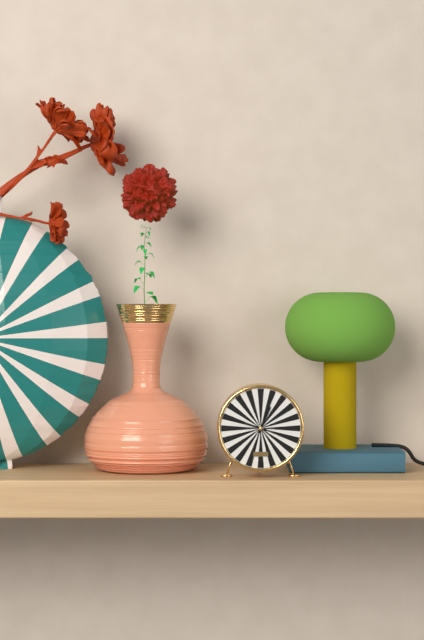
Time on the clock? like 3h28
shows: 12h48
